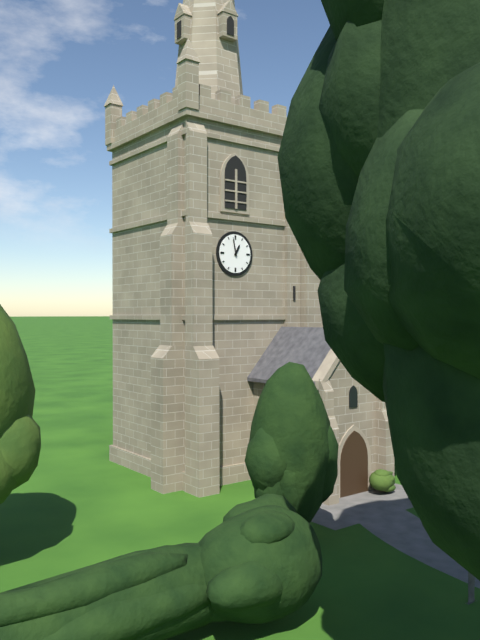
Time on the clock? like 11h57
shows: 12h58
